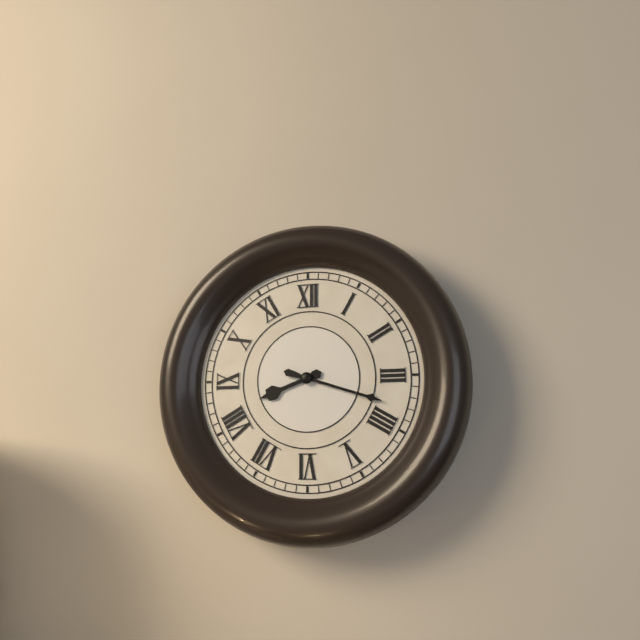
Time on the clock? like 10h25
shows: 8h18
